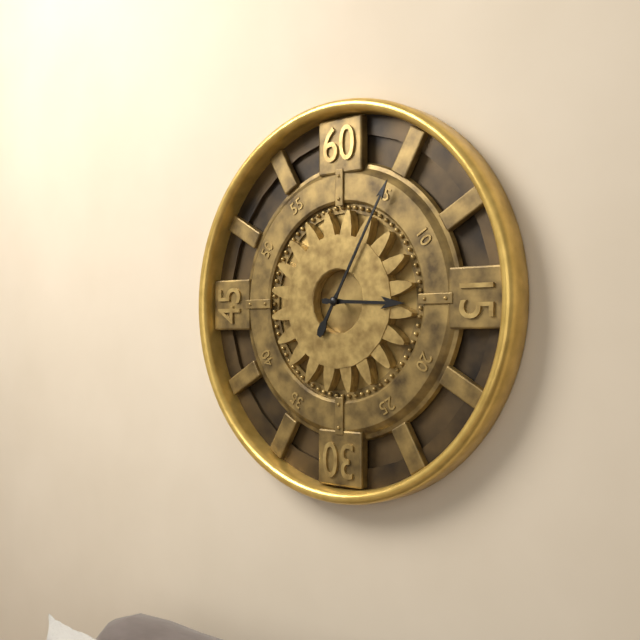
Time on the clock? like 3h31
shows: 3h05
